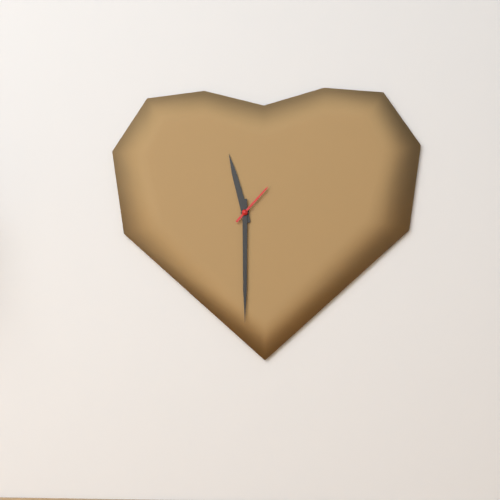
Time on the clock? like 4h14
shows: 11h30
